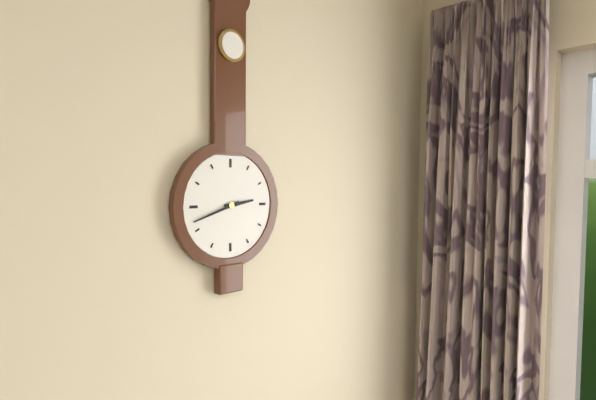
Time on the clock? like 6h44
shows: 2h42
